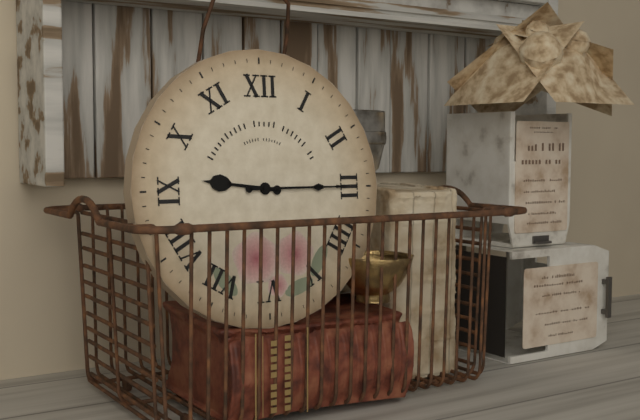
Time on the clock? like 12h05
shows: 9h15
